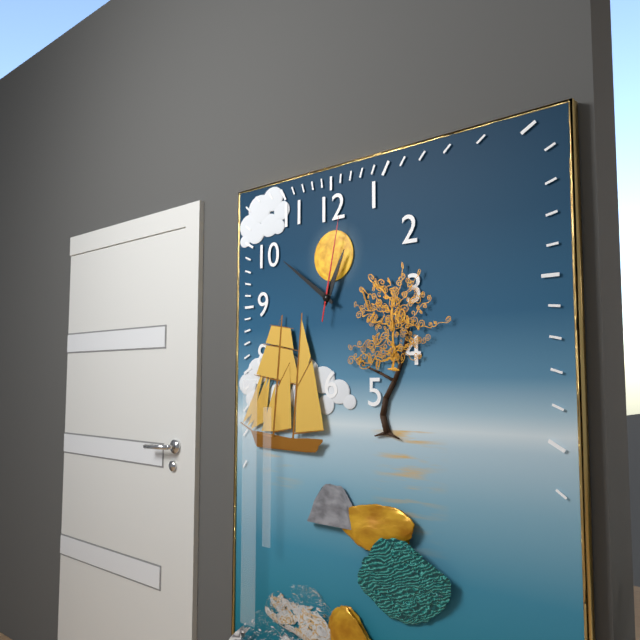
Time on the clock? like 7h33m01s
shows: 12h51m02s
